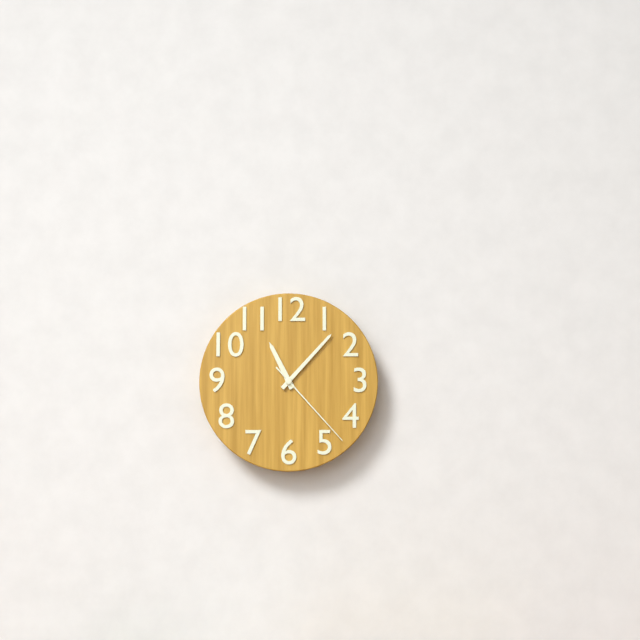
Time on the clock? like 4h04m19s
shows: 11h07m23s
